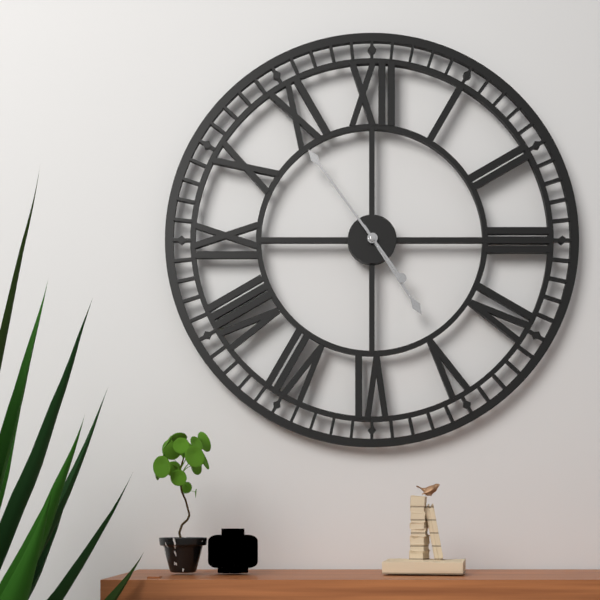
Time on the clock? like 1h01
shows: 4h54
